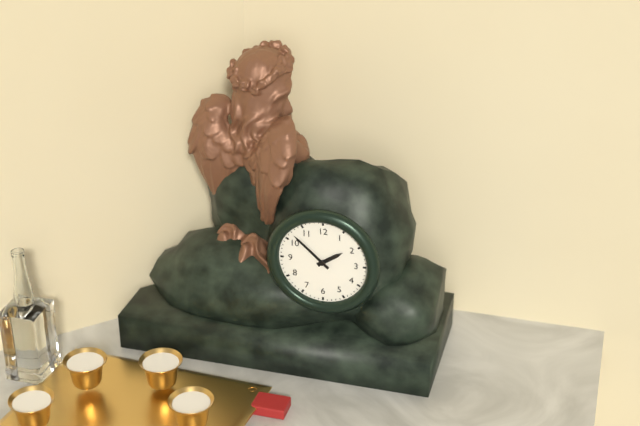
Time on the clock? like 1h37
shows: 1h52
